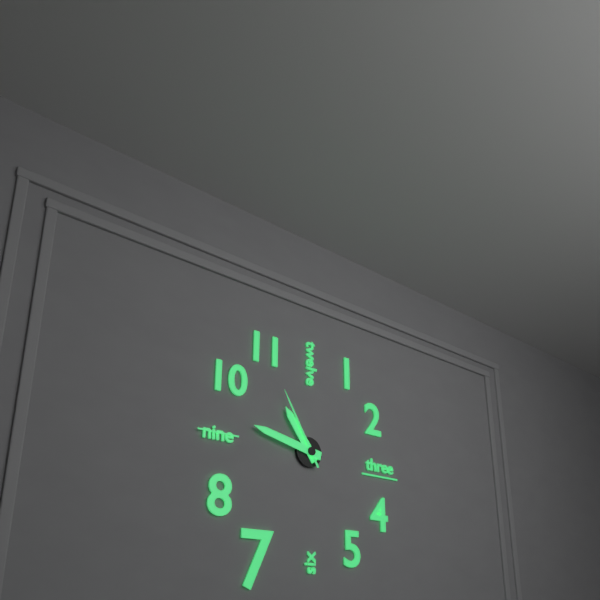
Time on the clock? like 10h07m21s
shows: 10h47m55s
